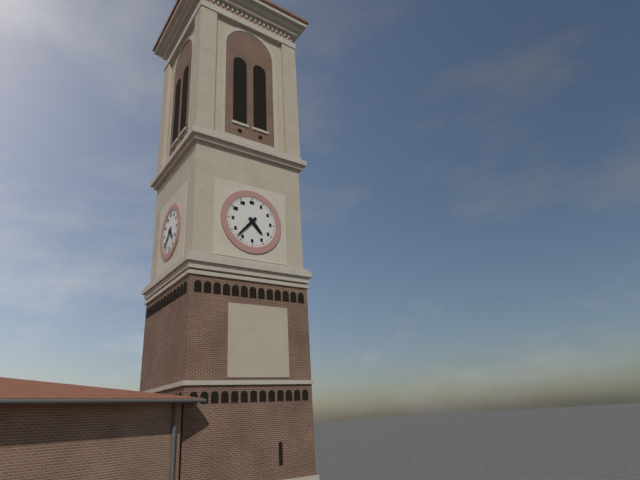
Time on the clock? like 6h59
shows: 4h37
